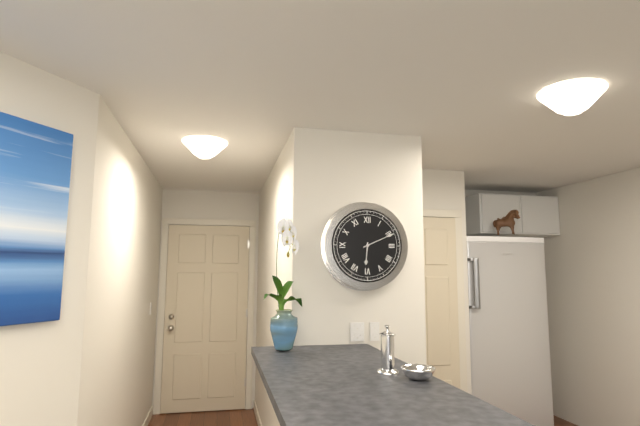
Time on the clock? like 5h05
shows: 6h11
